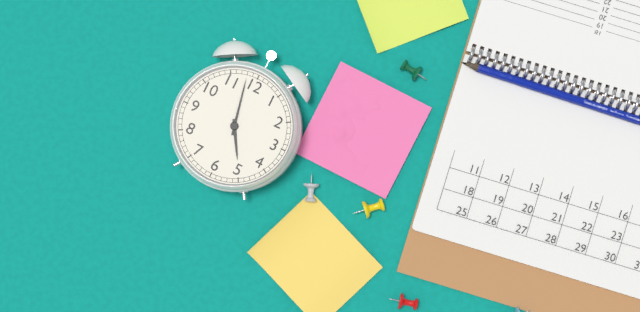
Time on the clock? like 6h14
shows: 4h58
